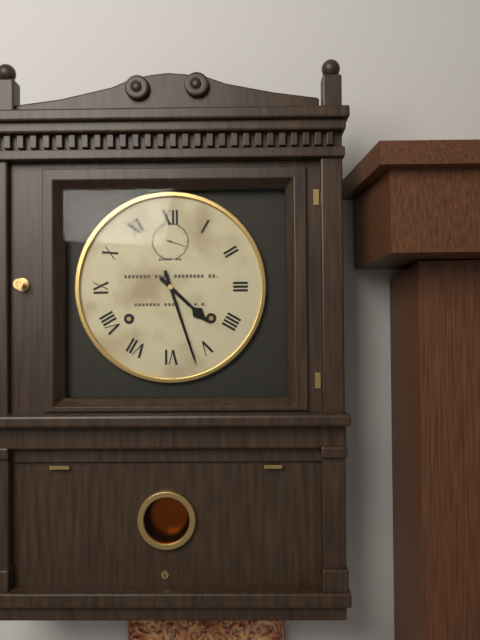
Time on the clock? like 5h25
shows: 4h27
